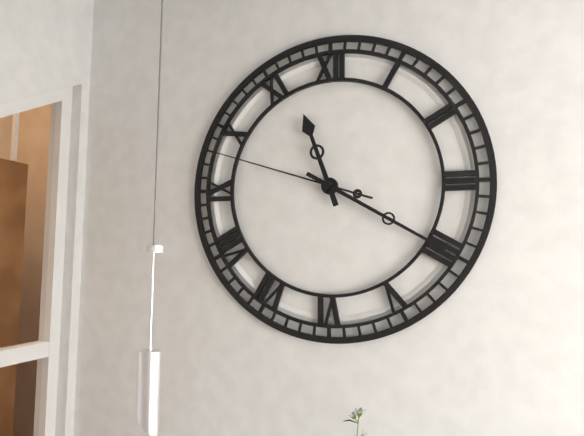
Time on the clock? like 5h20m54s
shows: 11h20m48s
